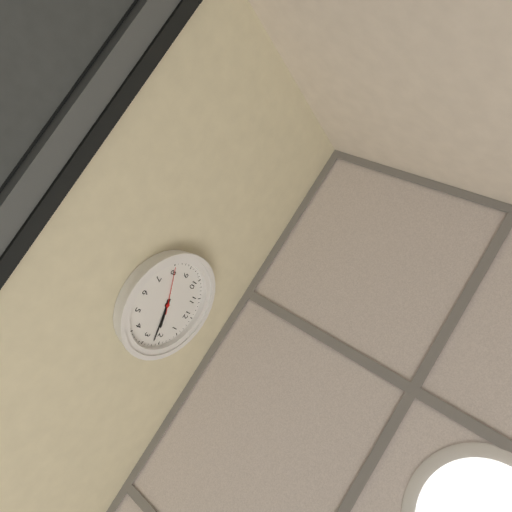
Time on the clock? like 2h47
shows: 2h12
